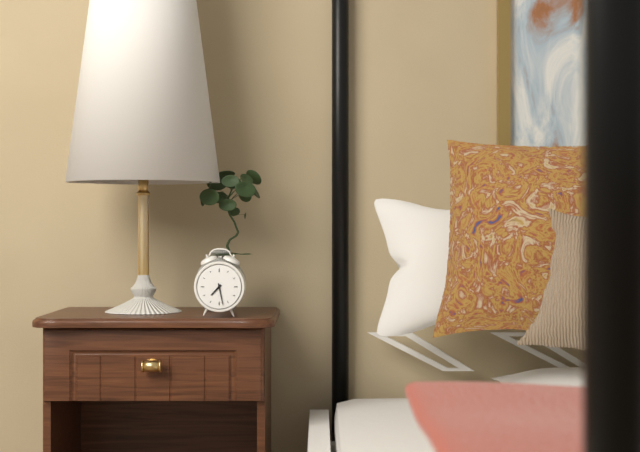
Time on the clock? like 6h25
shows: 7h28
